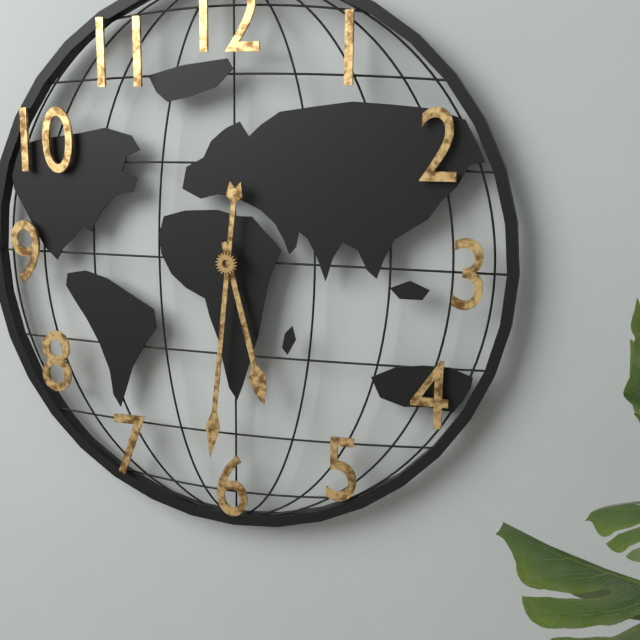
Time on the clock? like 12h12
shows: 5h31
